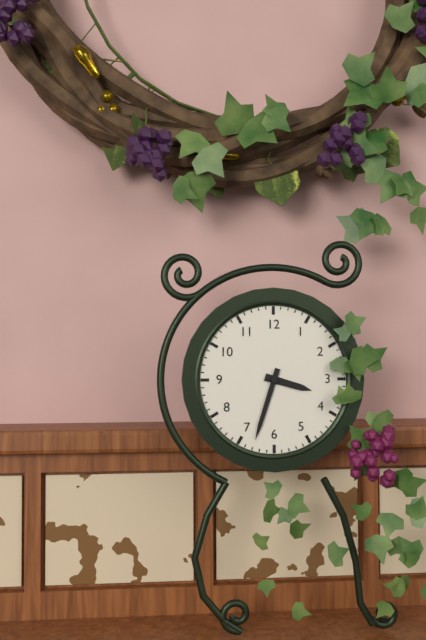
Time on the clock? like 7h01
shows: 3h33
